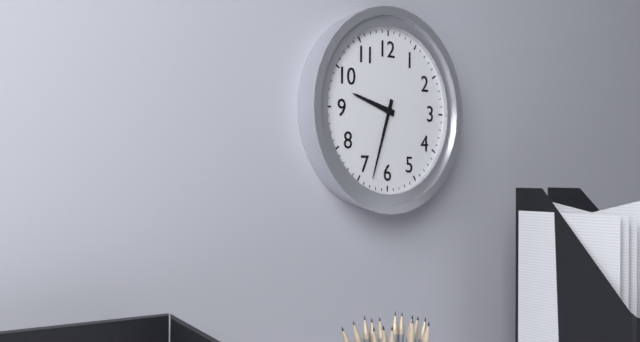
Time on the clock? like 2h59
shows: 9h33
